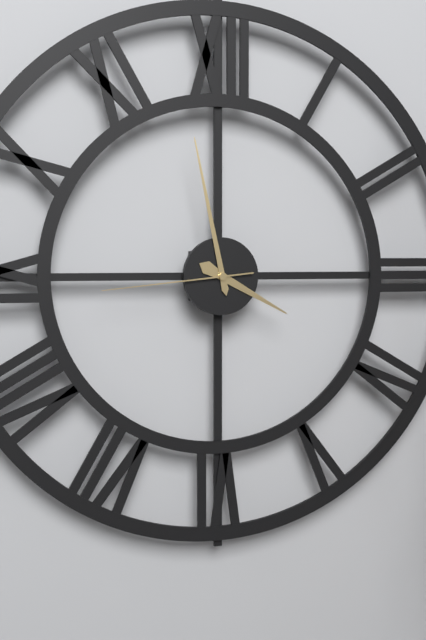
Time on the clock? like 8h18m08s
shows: 3h58m44s
